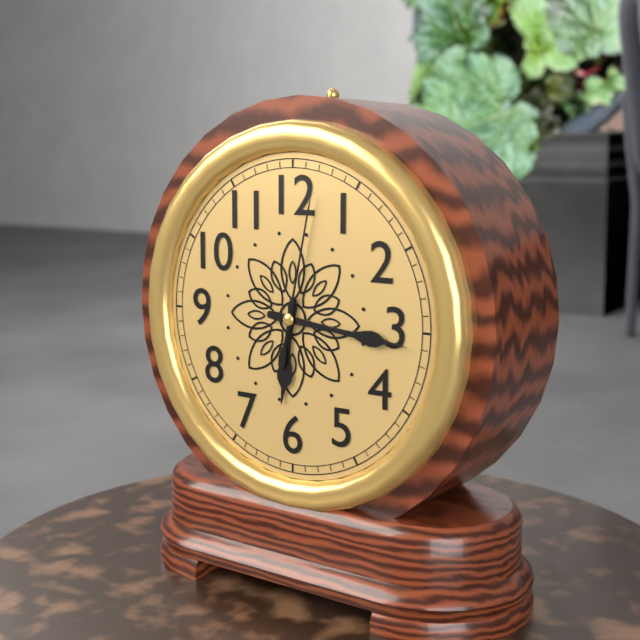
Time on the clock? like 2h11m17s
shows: 6h16m02s
